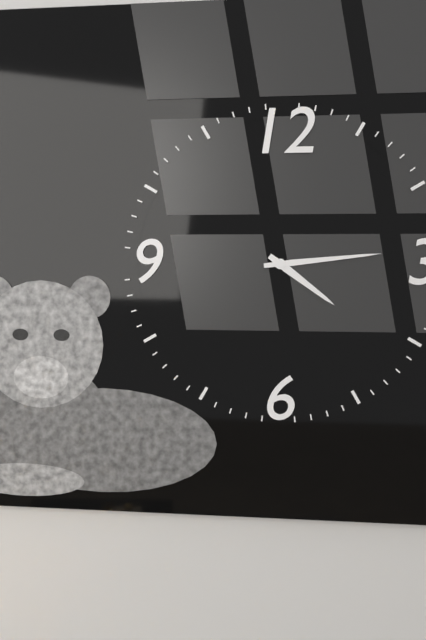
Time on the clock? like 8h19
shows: 4h14
